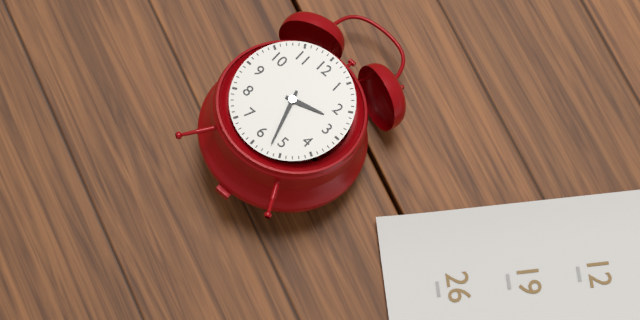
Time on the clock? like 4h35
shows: 2h27
